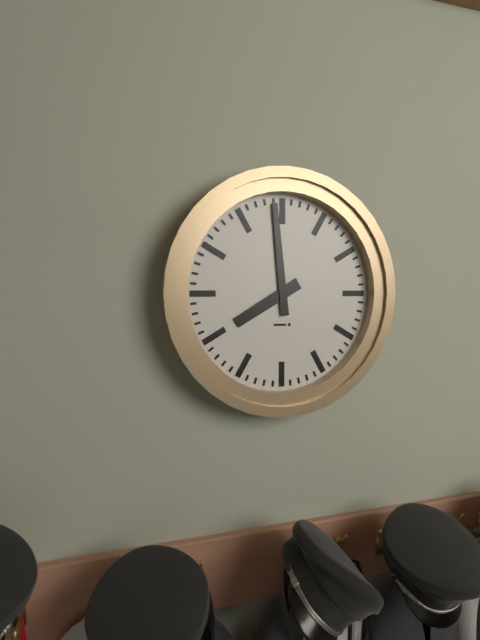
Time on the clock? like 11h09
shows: 7h59
